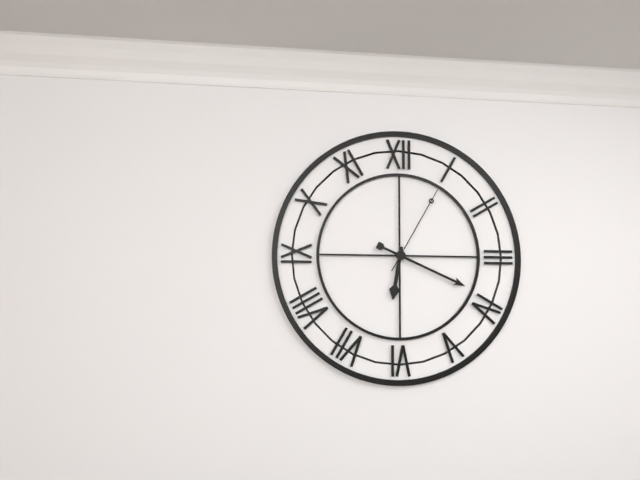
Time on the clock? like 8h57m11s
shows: 6h19m05s
